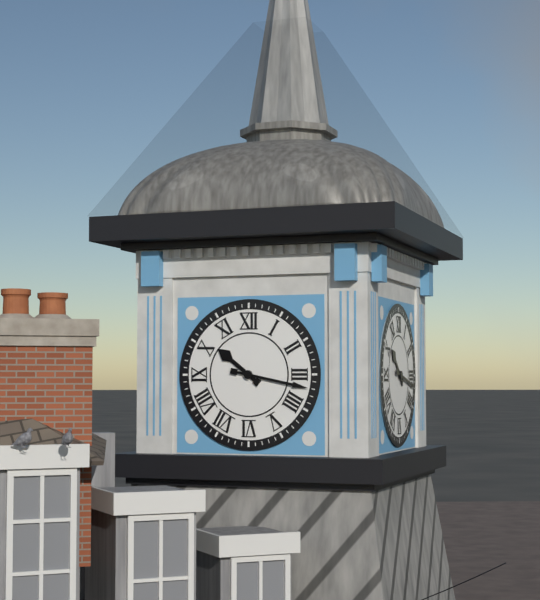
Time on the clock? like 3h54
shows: 10h17
